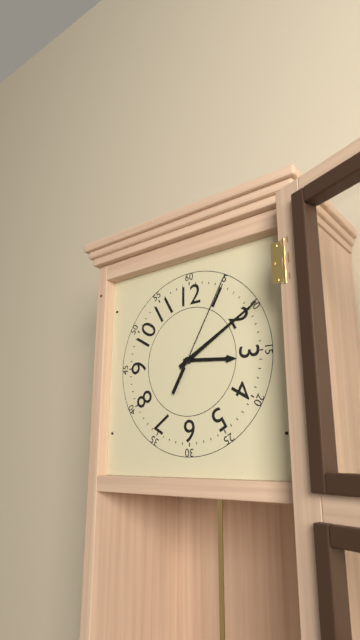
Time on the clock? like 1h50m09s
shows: 3h10m05s
